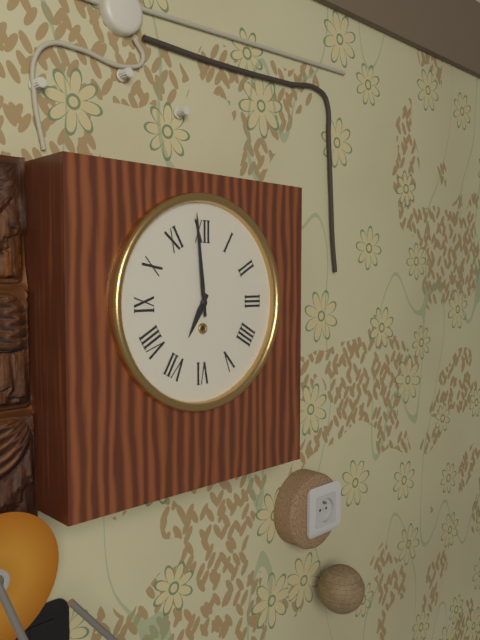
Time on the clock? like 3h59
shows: 6h59
